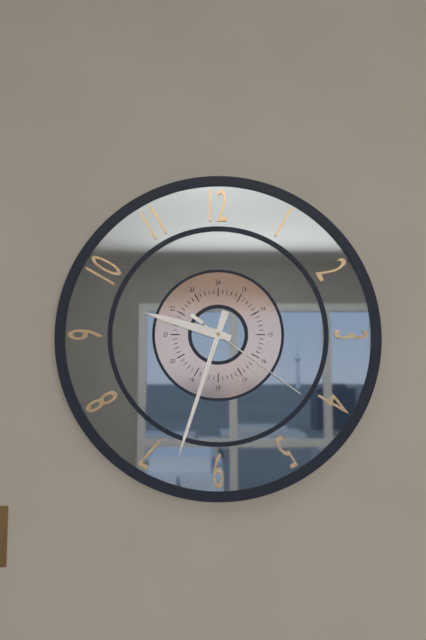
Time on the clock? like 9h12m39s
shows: 9h33m21s
